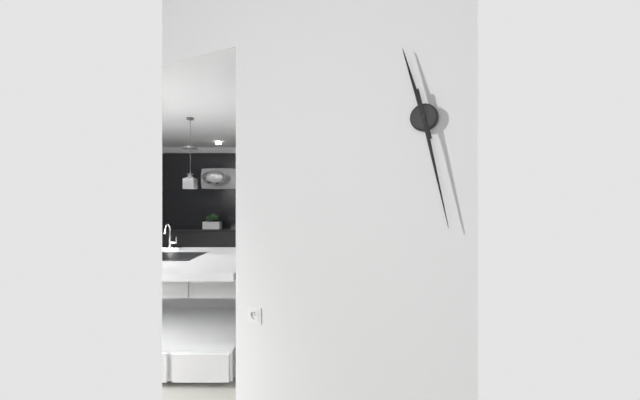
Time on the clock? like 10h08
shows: 11h28
